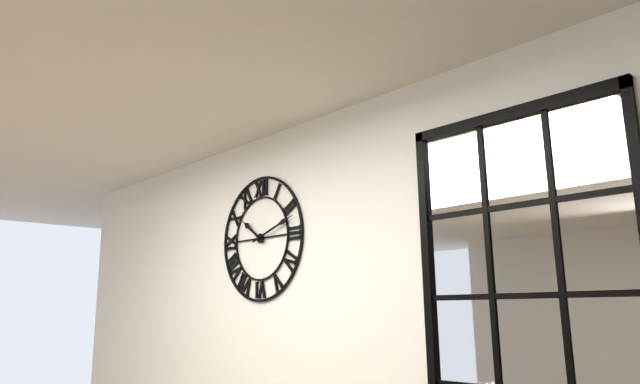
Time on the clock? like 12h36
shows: 10h12
